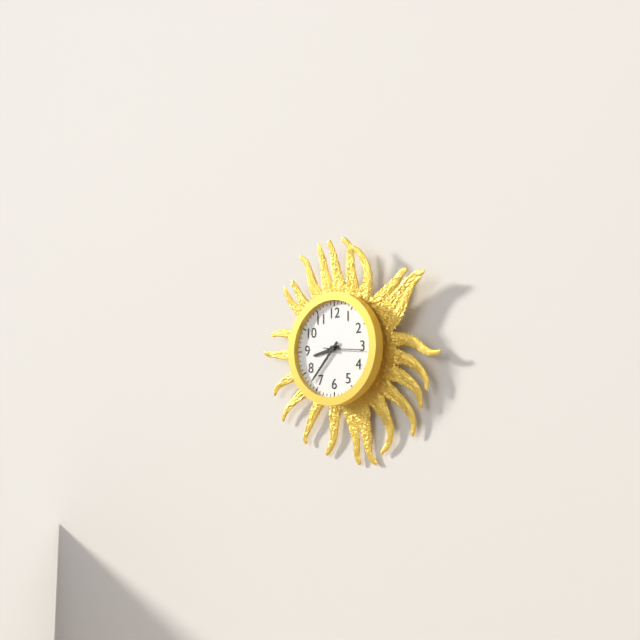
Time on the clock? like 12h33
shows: 8h37
